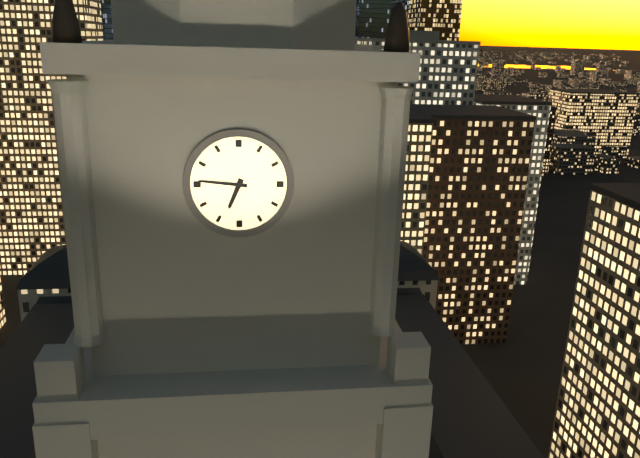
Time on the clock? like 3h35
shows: 6h46
